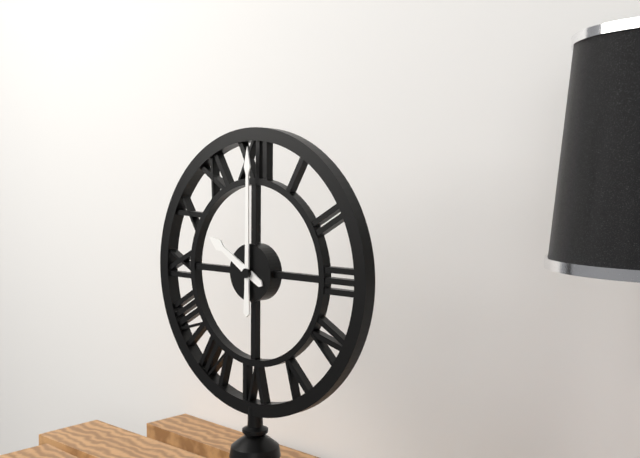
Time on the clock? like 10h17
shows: 10h00
